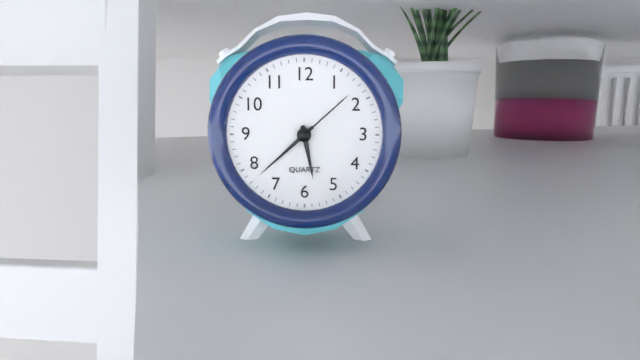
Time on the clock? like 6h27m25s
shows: 5h38m08s
